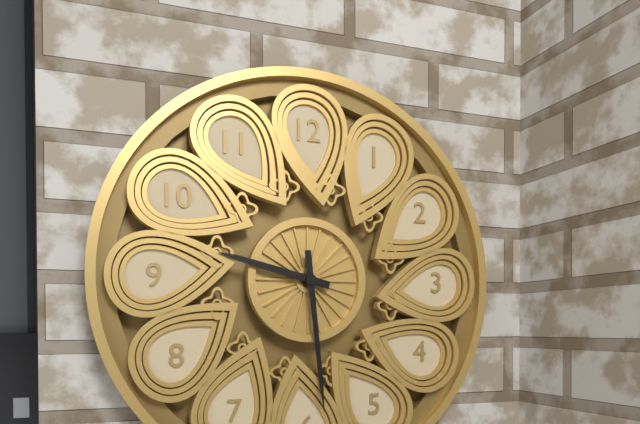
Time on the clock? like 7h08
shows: 9h29
